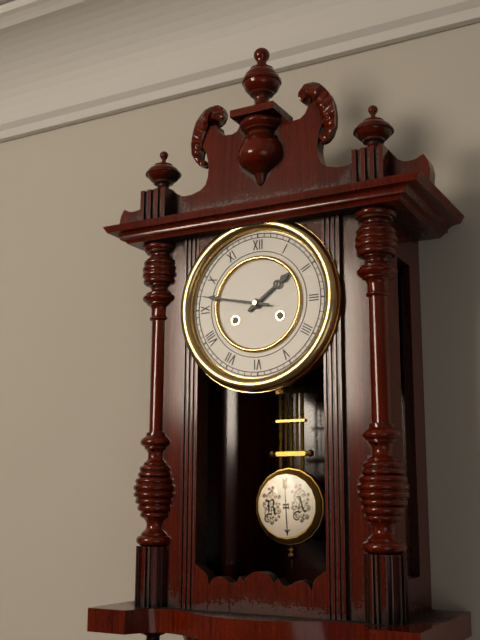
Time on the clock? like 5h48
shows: 1h47
